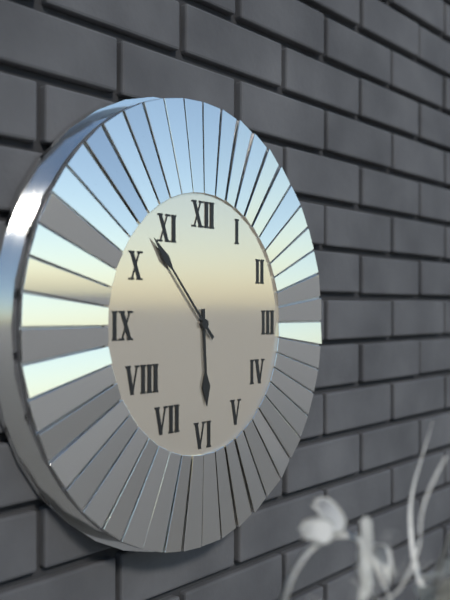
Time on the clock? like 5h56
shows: 5h53
